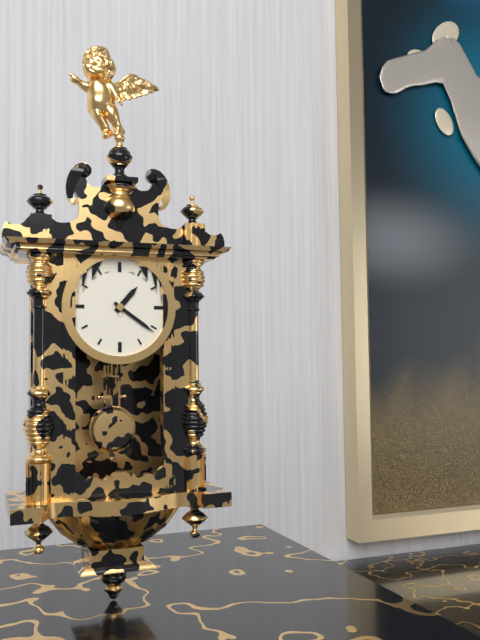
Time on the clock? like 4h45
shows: 1h21
